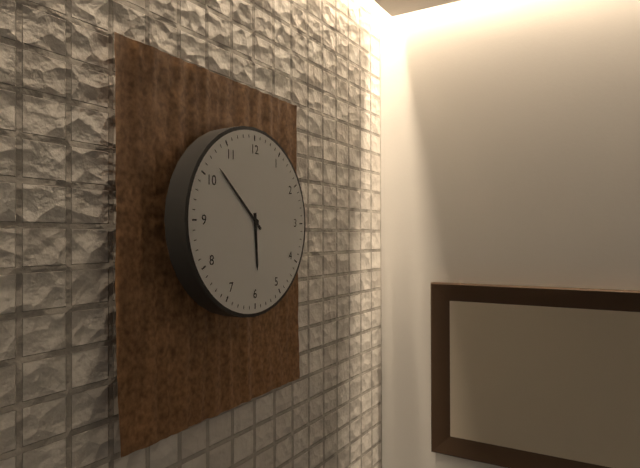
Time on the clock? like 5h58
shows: 5h52
